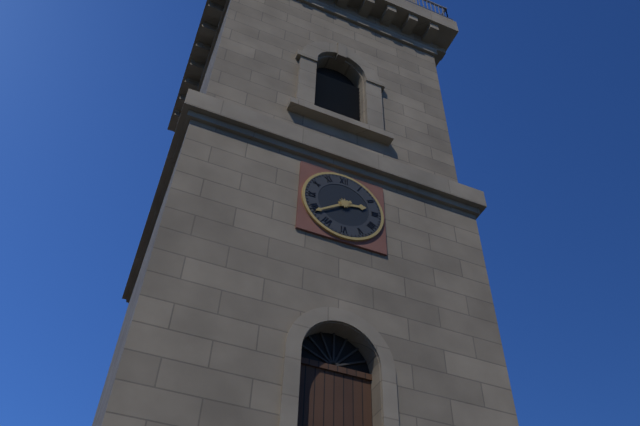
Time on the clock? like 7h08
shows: 2h39
